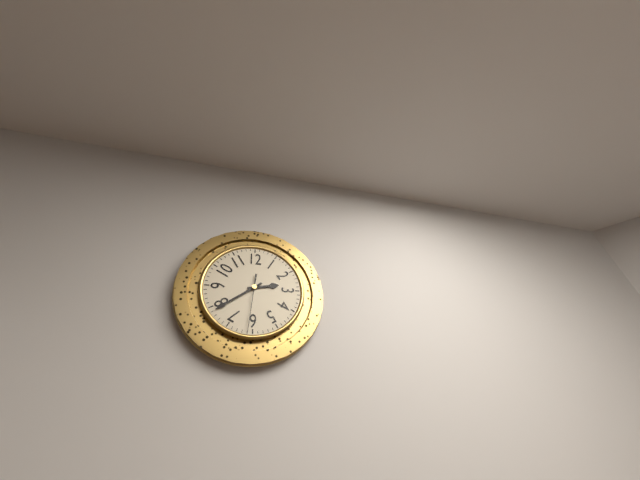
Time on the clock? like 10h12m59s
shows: 2h39m31s
